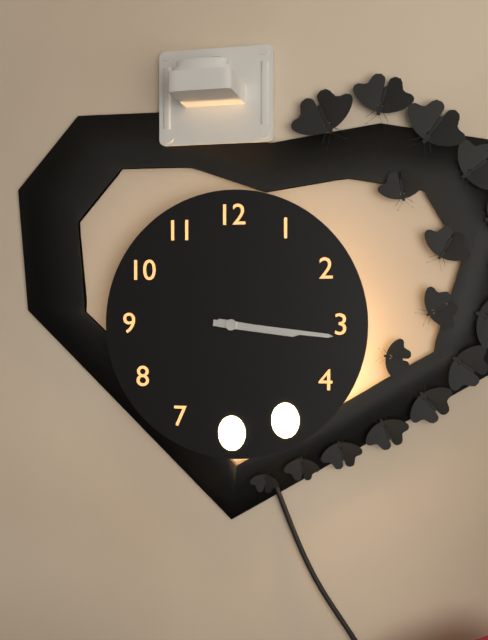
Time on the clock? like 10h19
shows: 3h16
